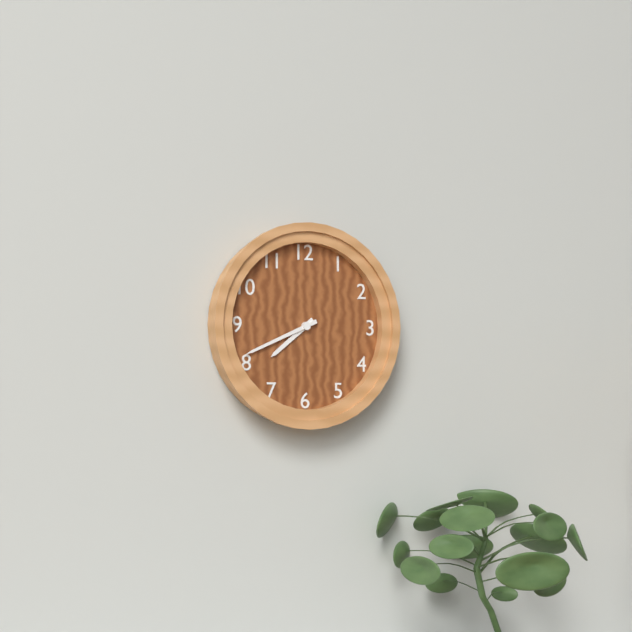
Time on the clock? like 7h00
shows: 7h41
